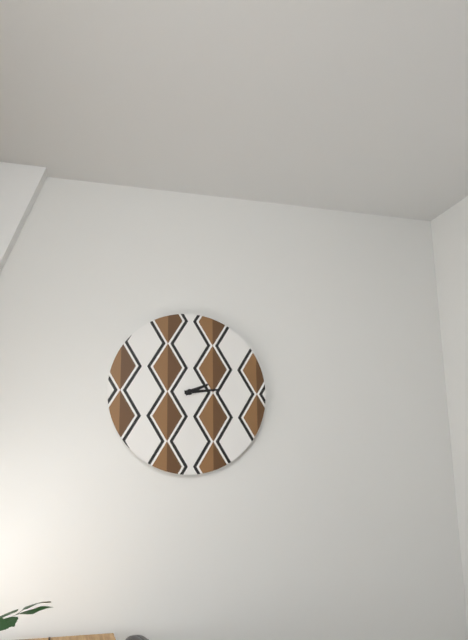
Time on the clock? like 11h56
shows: 2h14
